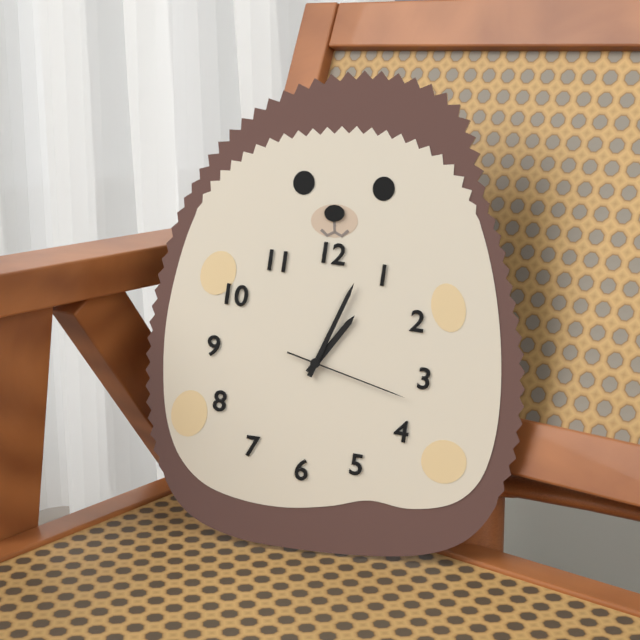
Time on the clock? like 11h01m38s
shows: 1h03m17s
